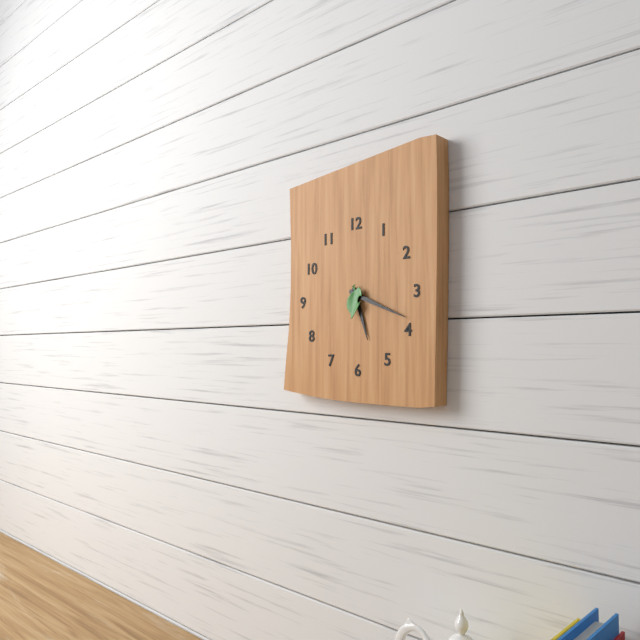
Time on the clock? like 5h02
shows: 5h19
